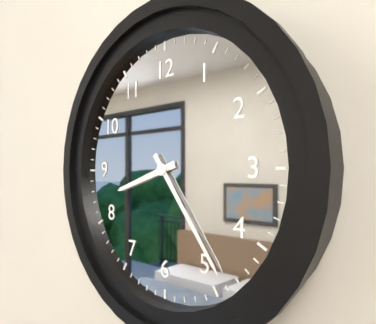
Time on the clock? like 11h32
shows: 8h24
